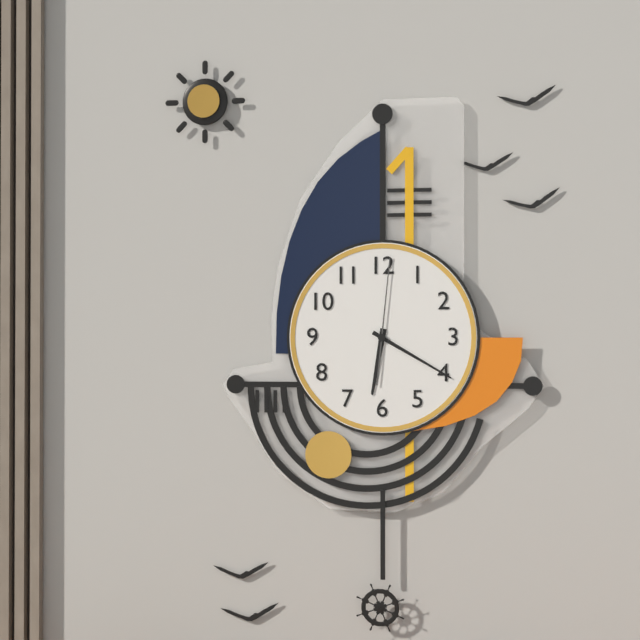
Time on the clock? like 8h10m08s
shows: 6h20m01s
